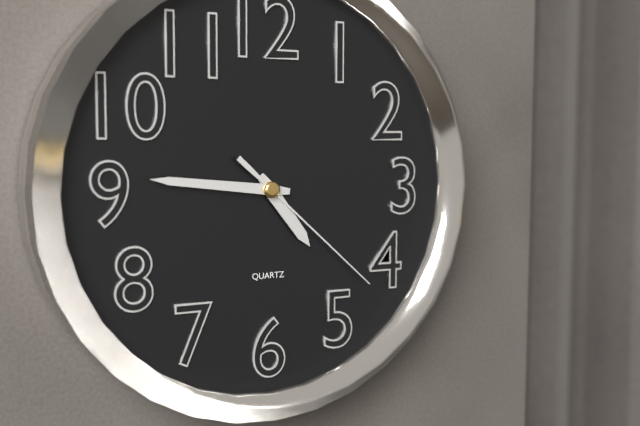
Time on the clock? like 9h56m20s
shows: 4h46m22s
